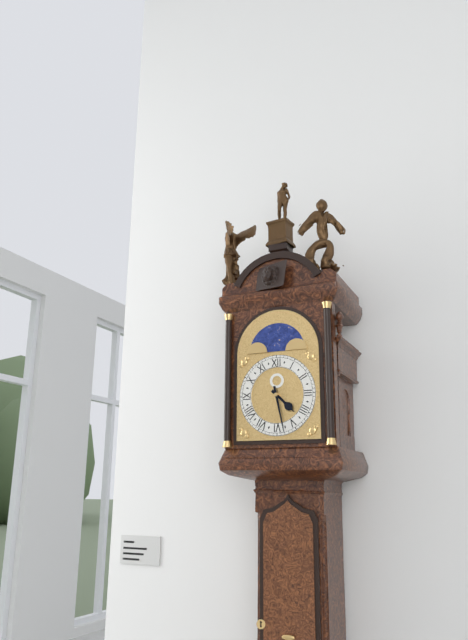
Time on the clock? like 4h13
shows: 4h28
